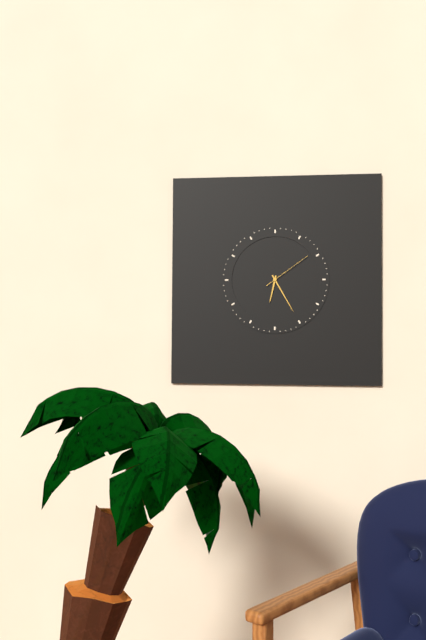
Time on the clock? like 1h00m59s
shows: 6h25m09s
